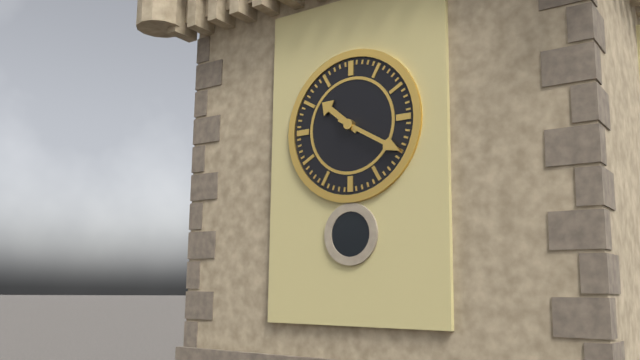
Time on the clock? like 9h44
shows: 10h20
